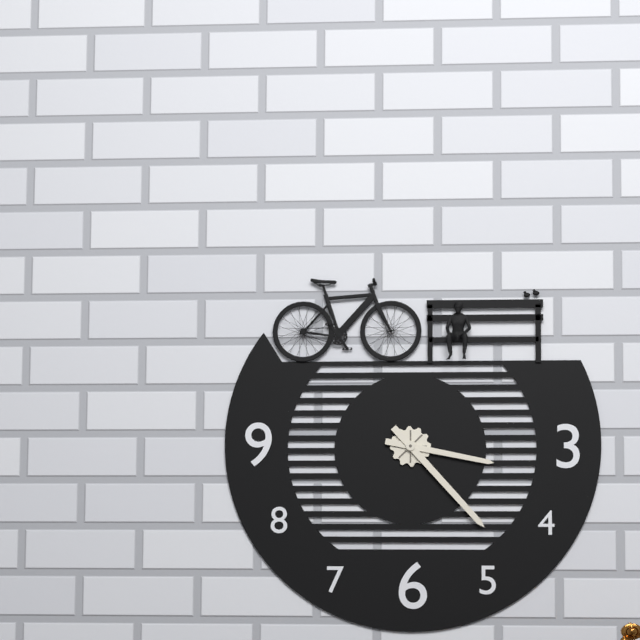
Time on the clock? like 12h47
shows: 3h23
